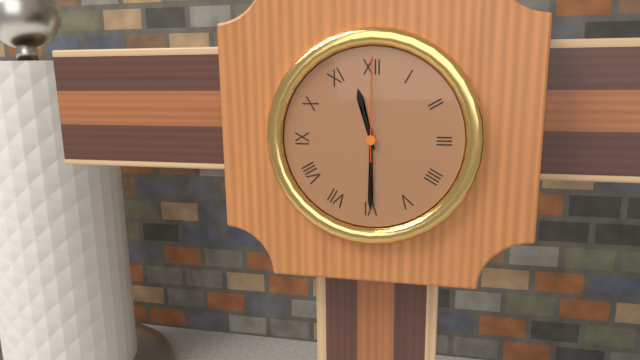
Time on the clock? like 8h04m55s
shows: 11h30m00s
